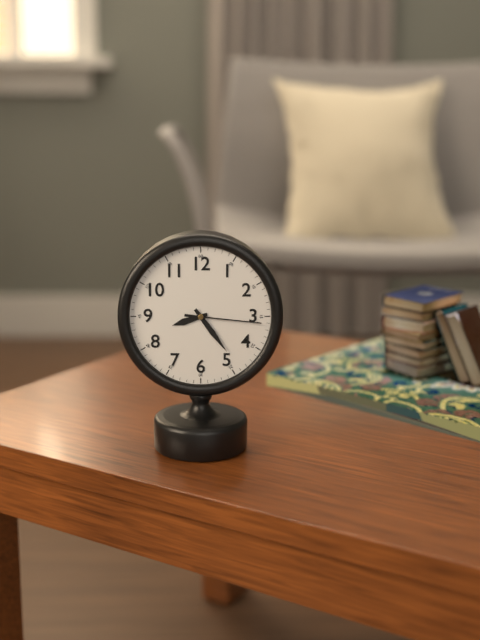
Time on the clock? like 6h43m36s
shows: 8h24m16s
